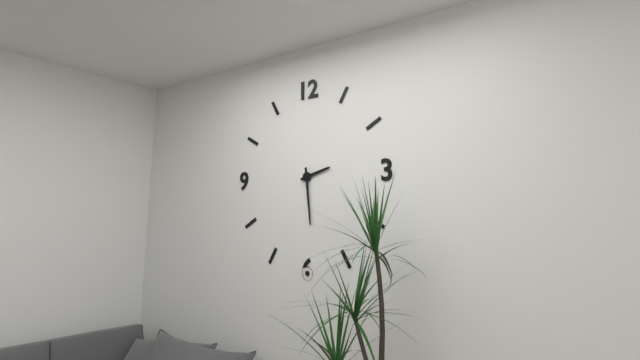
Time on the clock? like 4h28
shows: 2h29
